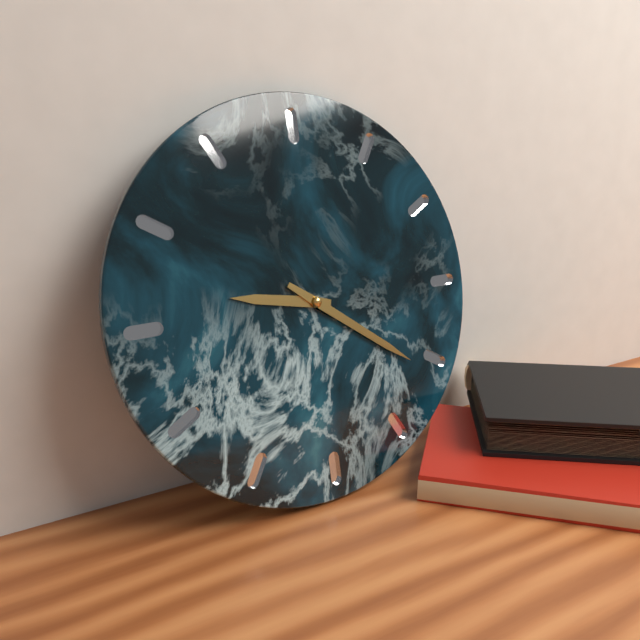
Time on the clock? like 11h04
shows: 9h21
